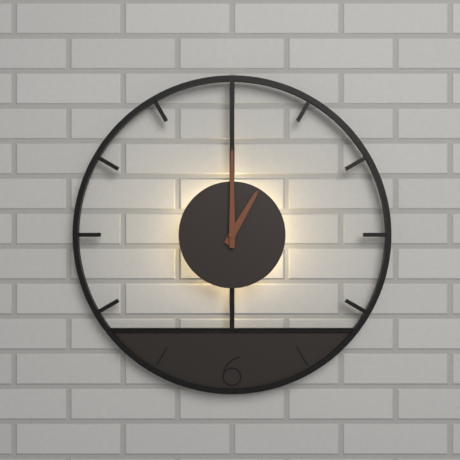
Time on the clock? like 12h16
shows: 1h00
